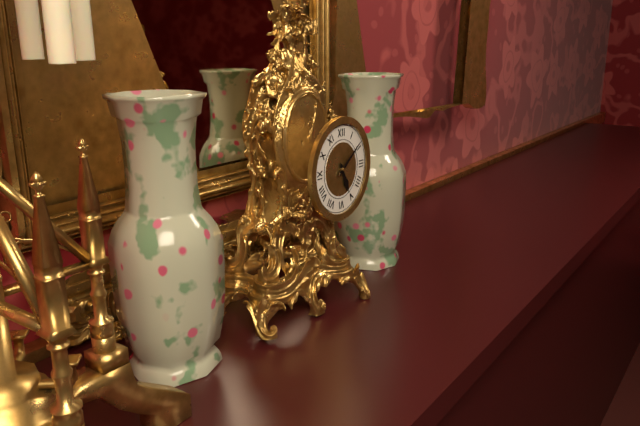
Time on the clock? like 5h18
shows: 5h09
